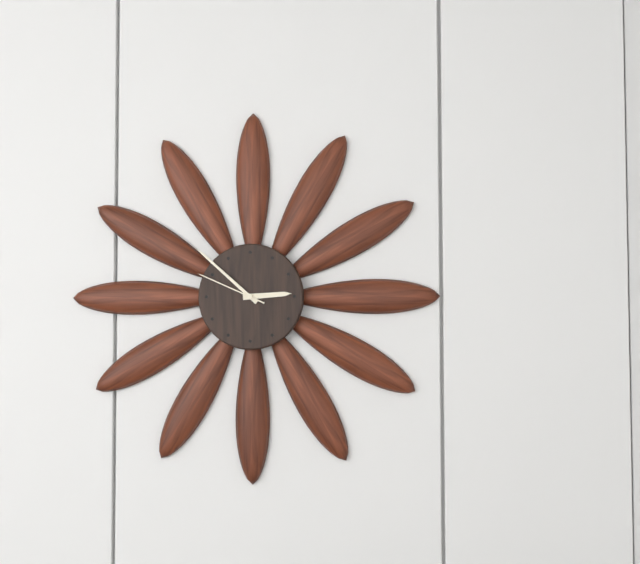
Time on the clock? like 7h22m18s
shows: 2h52m49s
